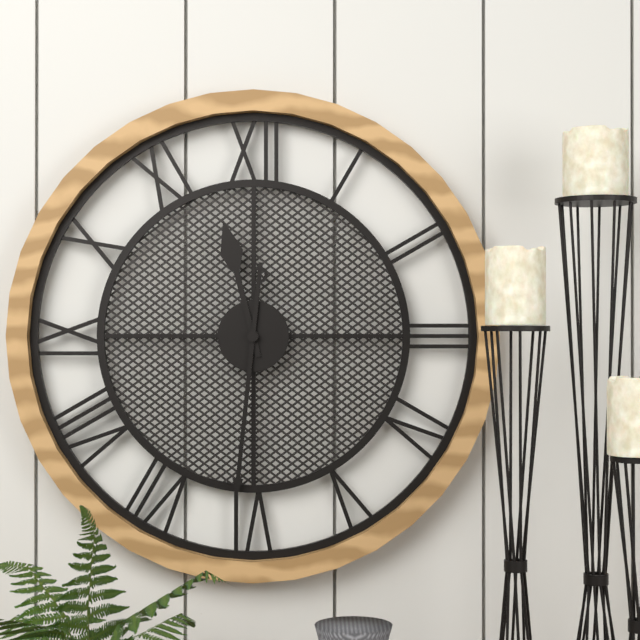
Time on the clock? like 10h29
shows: 11h31
